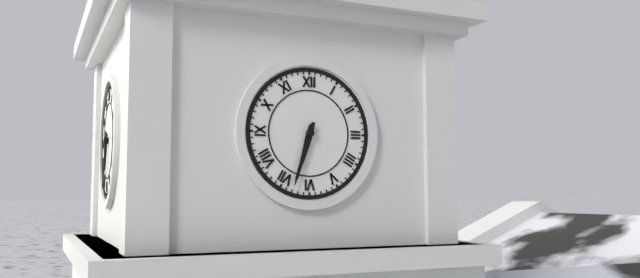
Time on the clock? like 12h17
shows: 6h33
